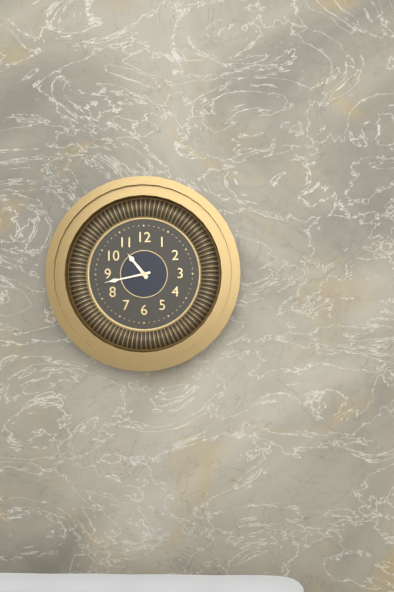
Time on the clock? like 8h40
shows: 10h43
